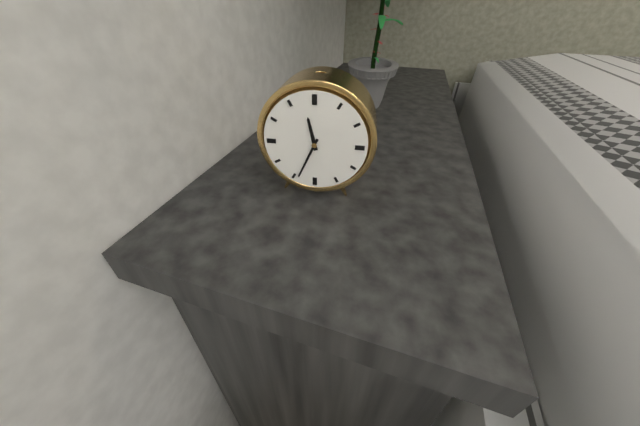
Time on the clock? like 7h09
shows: 11h34
